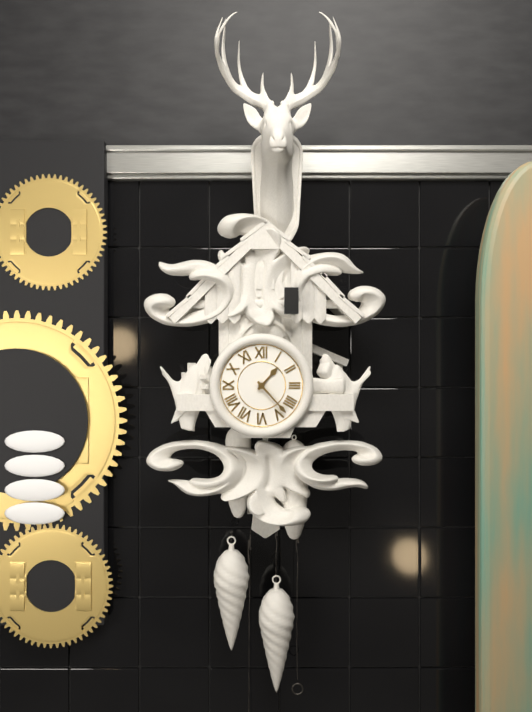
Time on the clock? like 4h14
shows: 1h23
